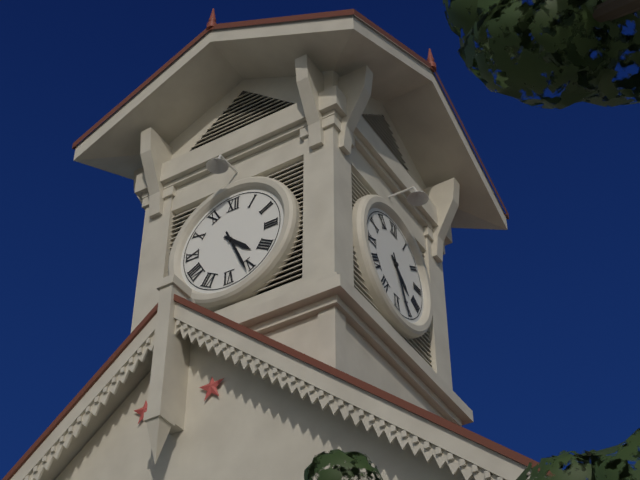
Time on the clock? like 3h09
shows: 4h26
